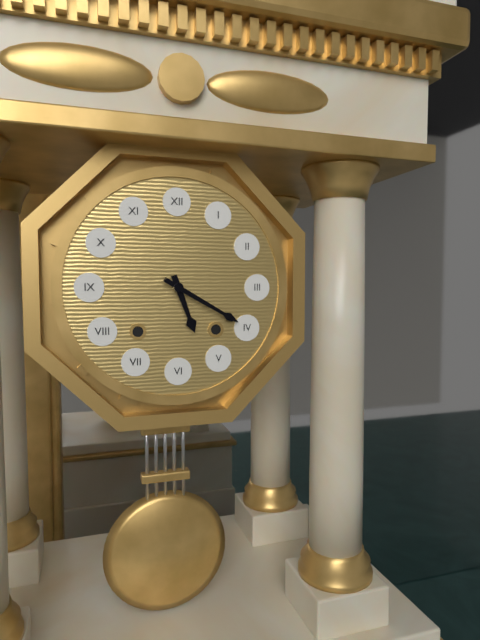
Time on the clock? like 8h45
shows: 5h20
